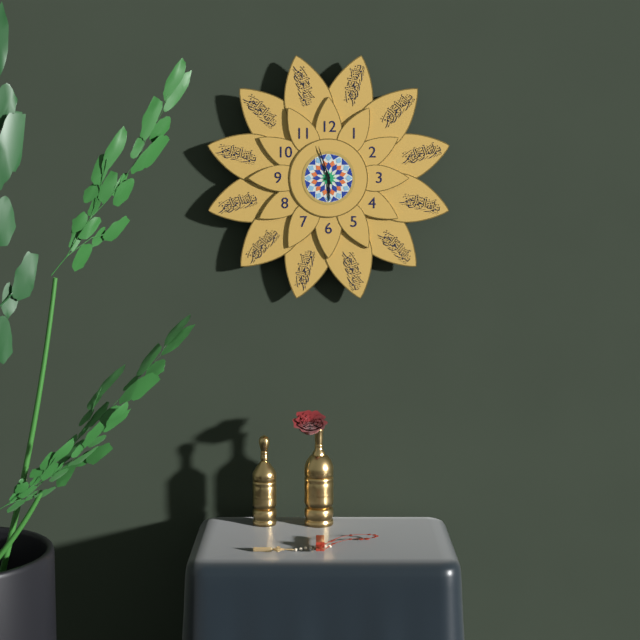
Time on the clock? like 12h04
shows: 5h57
